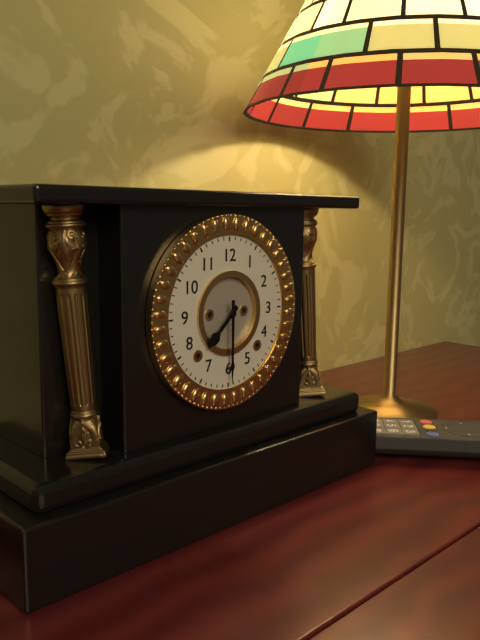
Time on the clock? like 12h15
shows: 7h30
